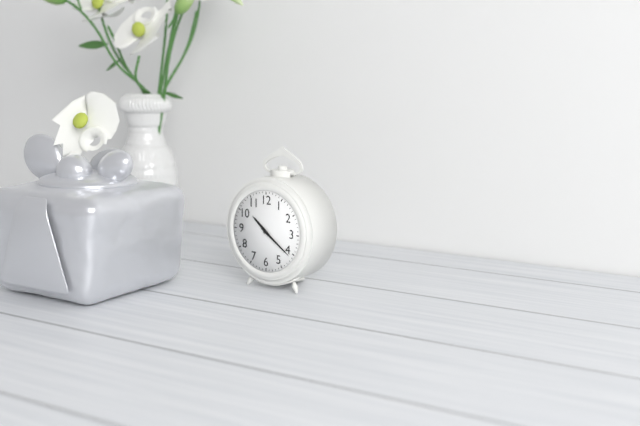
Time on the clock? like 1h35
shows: 10h21
